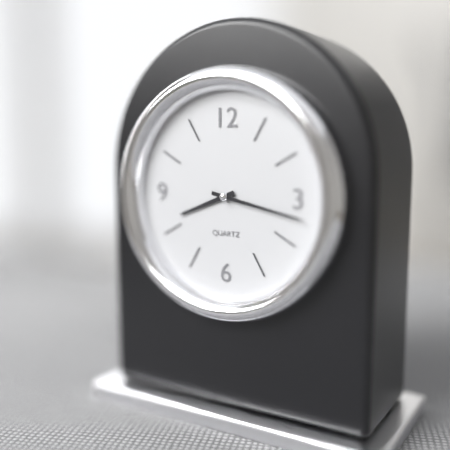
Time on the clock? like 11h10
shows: 8h17
